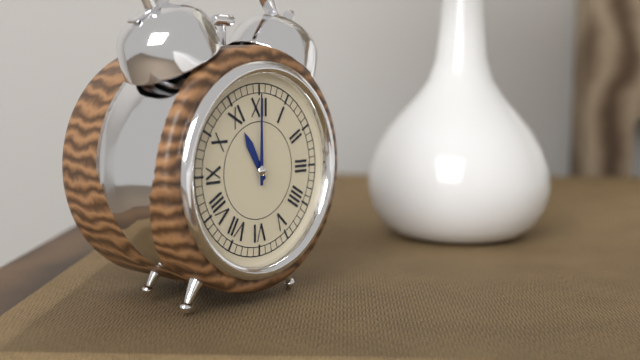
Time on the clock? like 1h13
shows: 11h00
